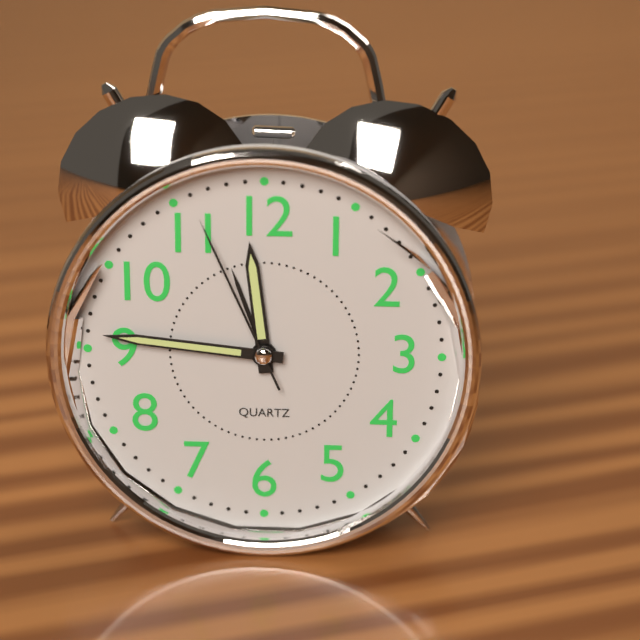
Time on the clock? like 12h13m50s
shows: 11h46m56s
